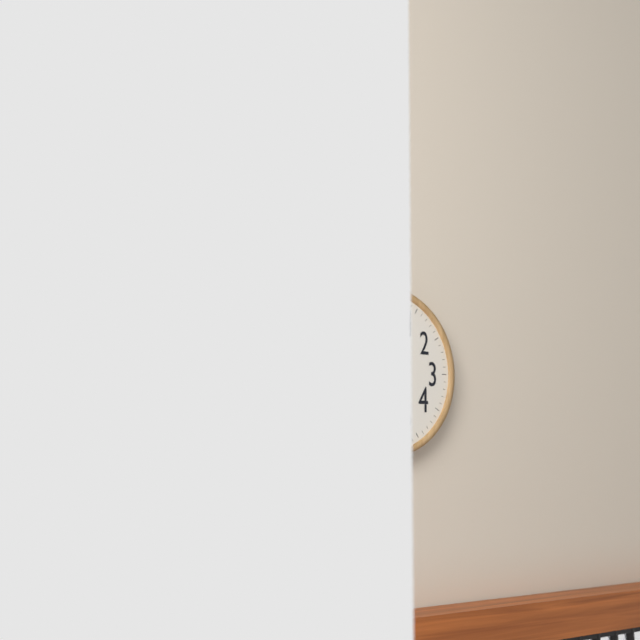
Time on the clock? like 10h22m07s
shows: 8h38m26s
